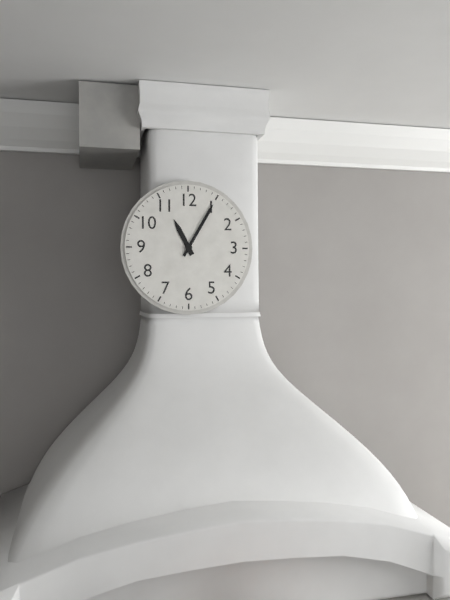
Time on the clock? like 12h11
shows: 11h05
